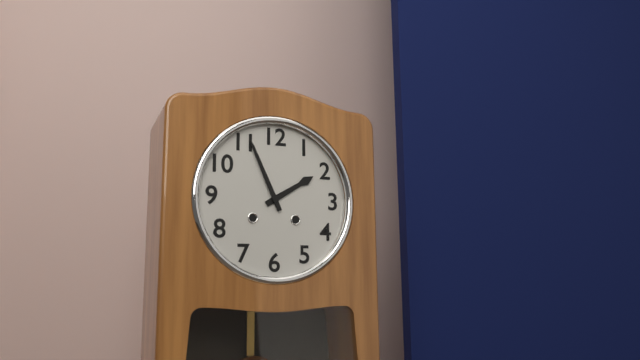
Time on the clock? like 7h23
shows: 1h56
